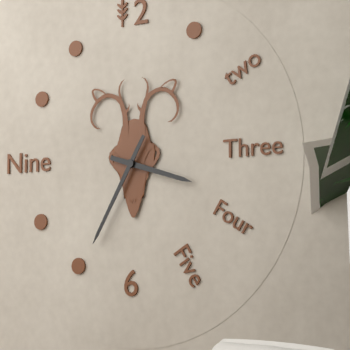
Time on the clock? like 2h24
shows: 3h35
